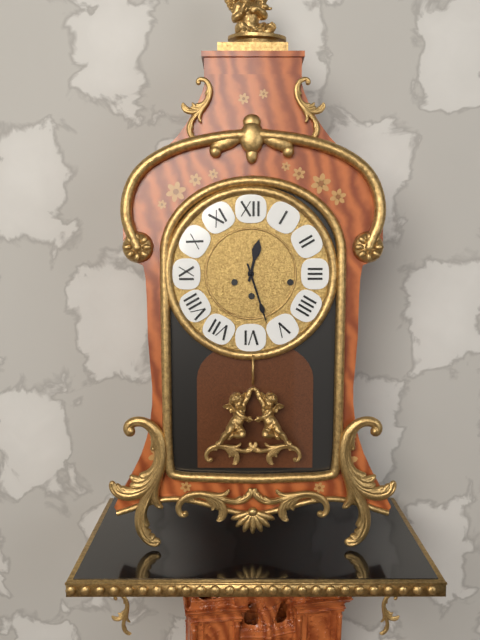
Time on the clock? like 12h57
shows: 12h27
